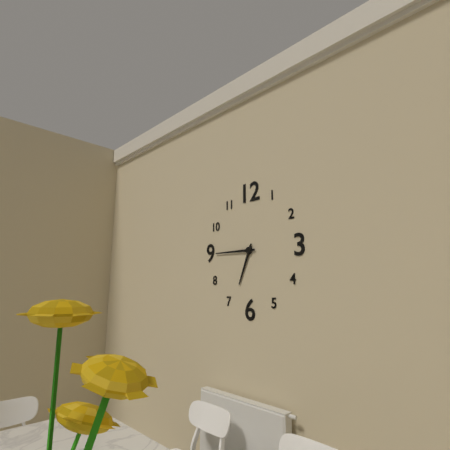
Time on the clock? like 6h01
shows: 6h45
